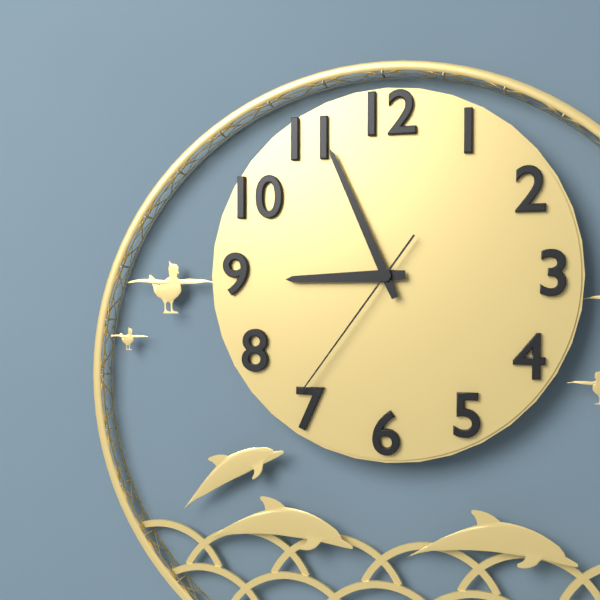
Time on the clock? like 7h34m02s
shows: 8h56m36s
